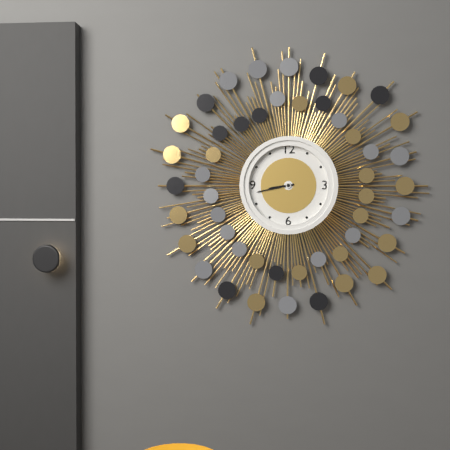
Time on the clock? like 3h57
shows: 8h43
